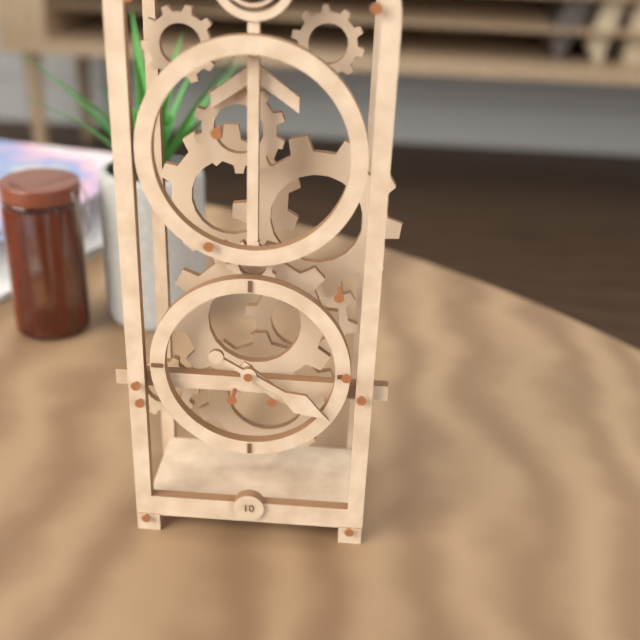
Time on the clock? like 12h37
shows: 4h20
